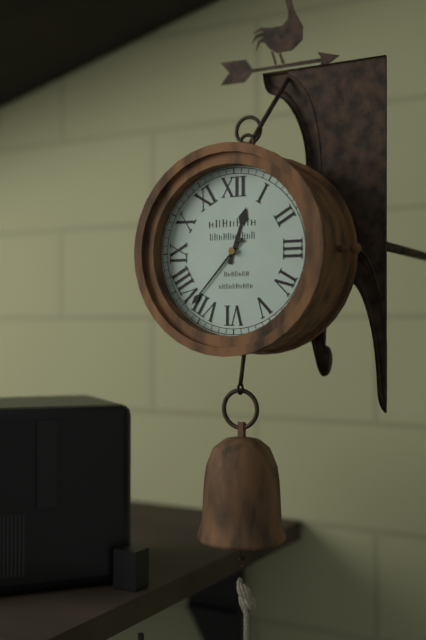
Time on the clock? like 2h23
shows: 12h37
